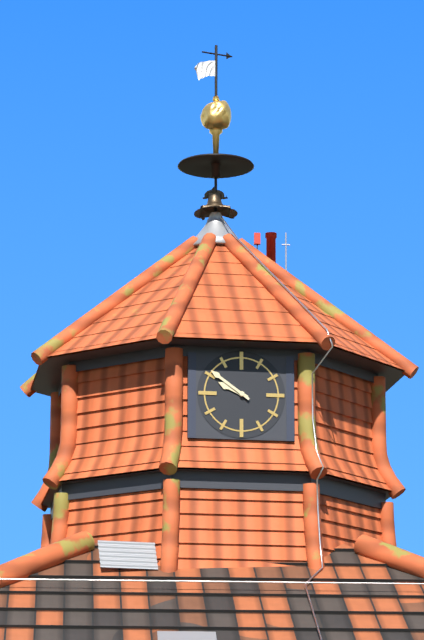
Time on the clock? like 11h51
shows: 9h51
